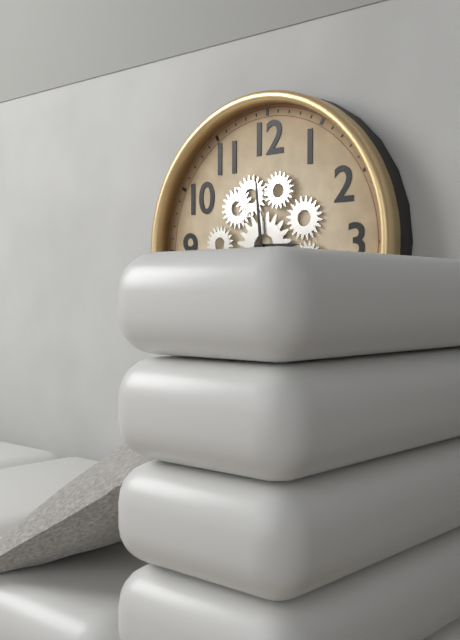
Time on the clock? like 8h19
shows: 2h59
